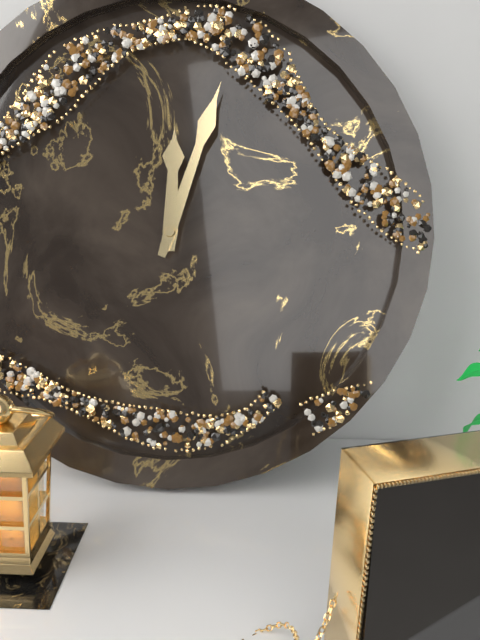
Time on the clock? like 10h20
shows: 12h03
